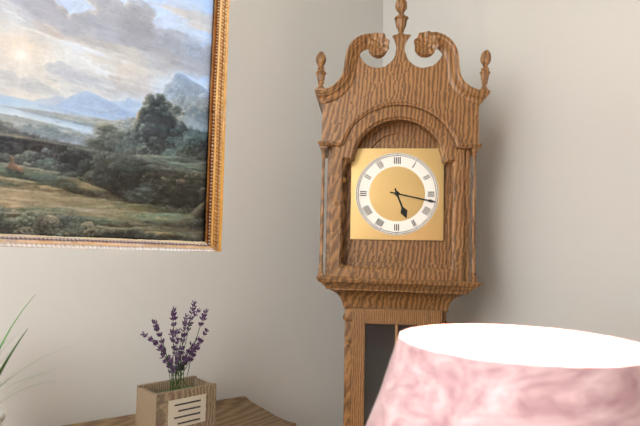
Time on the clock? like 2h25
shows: 5h17
